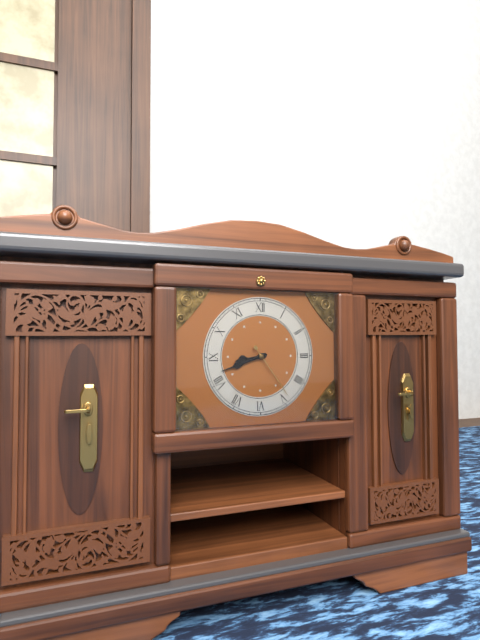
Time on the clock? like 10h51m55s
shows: 8h42m24s
